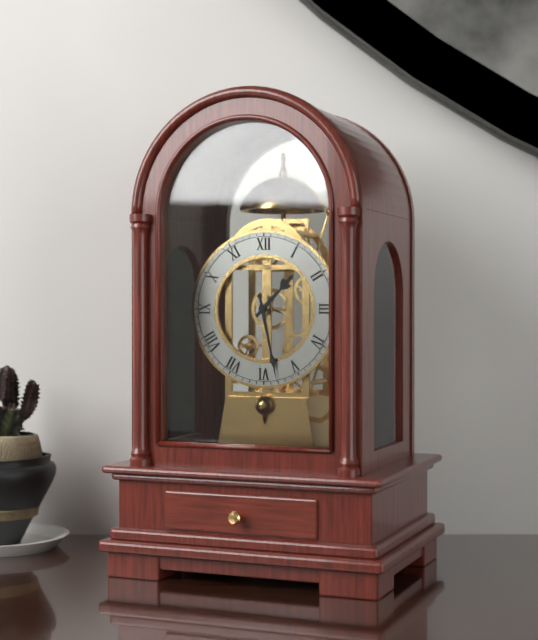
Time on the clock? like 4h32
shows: 1h28
